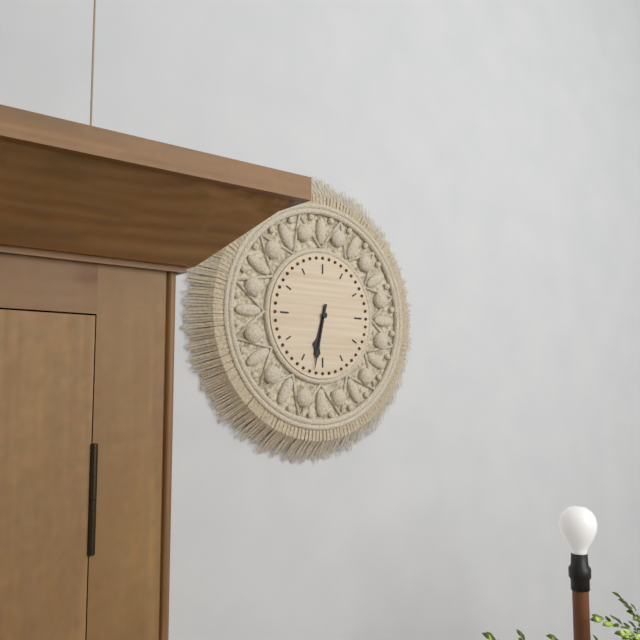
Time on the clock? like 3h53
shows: 6h32
